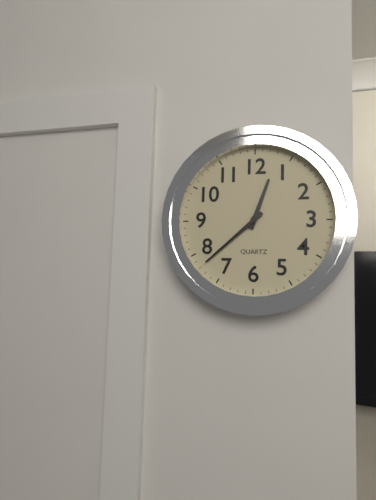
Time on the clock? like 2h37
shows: 12h38
